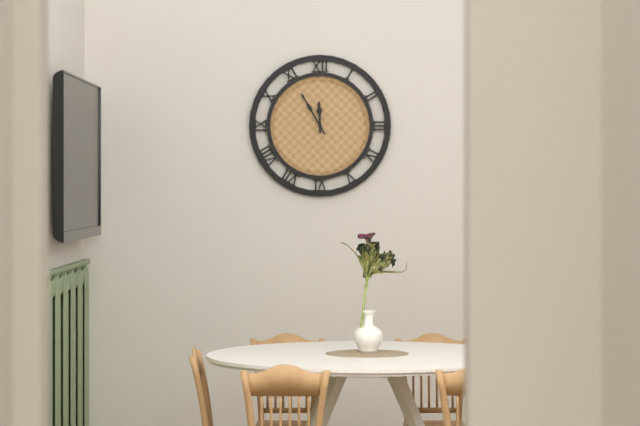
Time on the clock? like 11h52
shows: 11h55
